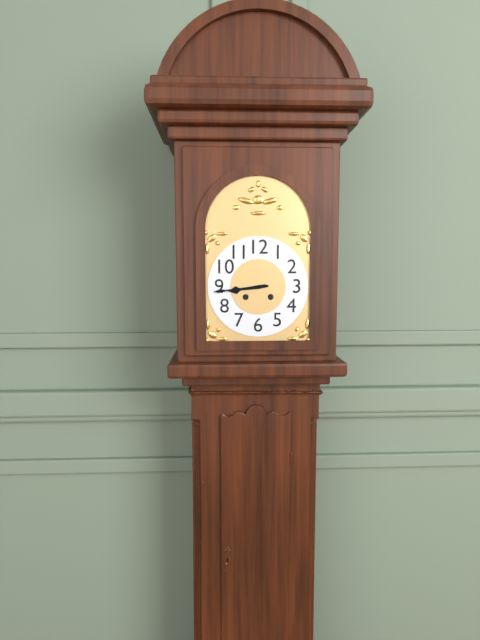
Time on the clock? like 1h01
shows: 8h44
